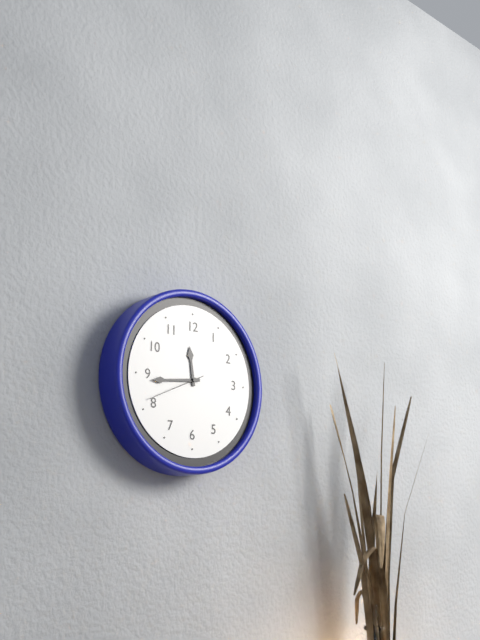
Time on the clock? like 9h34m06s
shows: 11h44m41s
